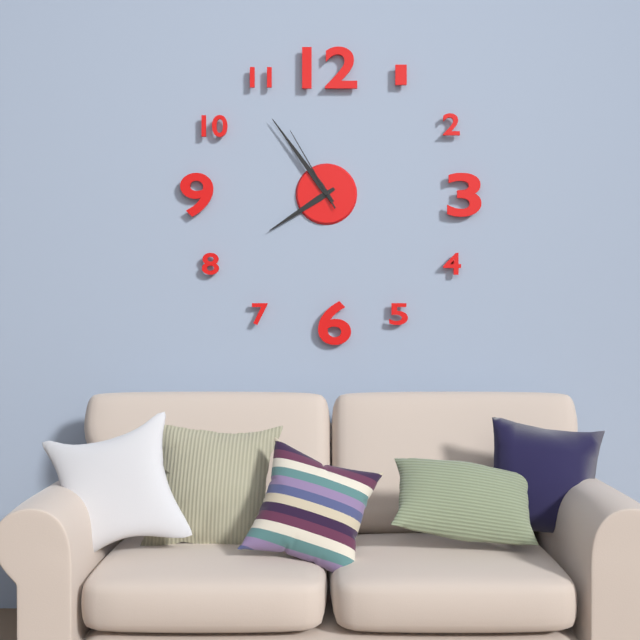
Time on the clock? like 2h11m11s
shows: 7h54m55s
